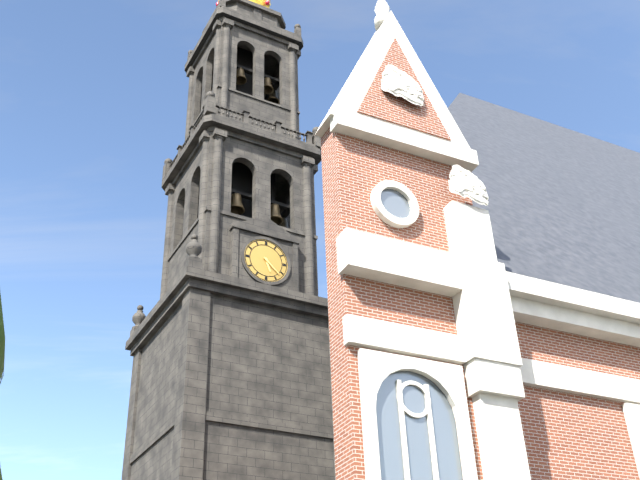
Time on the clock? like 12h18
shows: 5h22
